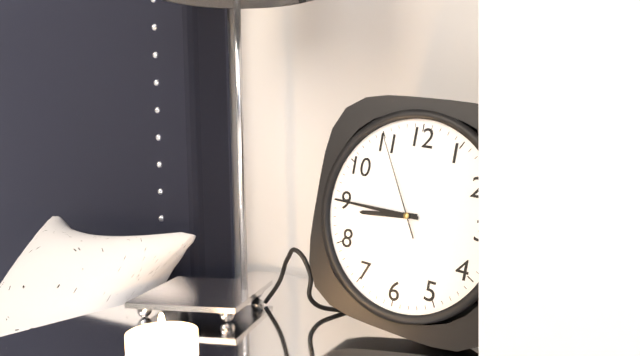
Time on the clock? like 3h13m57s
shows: 8h45m55s
